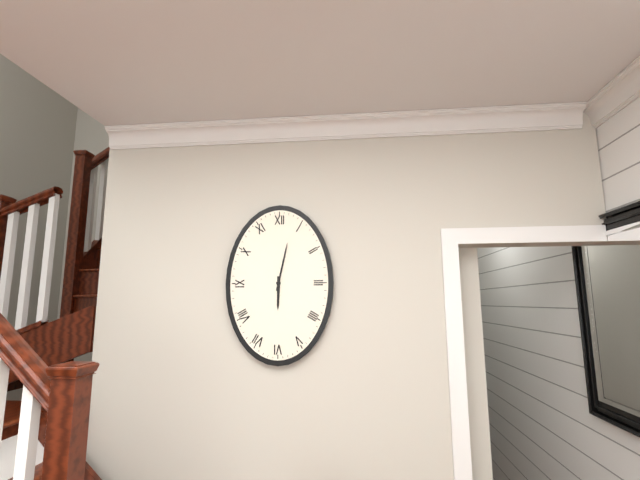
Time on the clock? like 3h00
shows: 6h02
